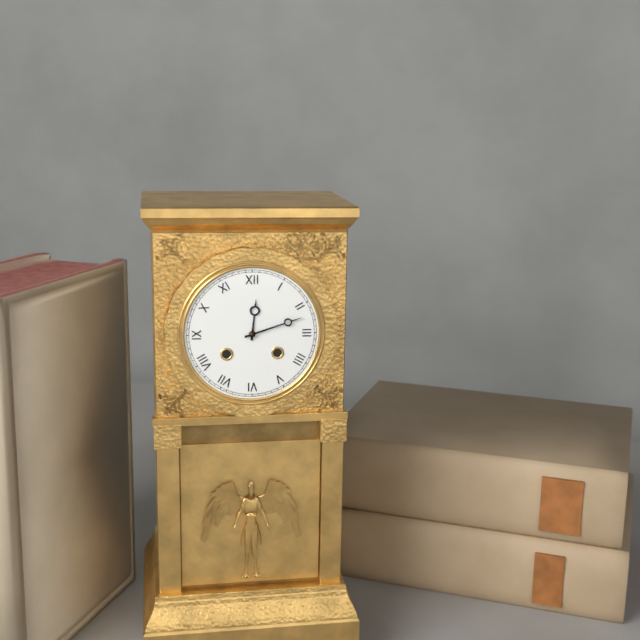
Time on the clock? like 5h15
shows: 12h12
